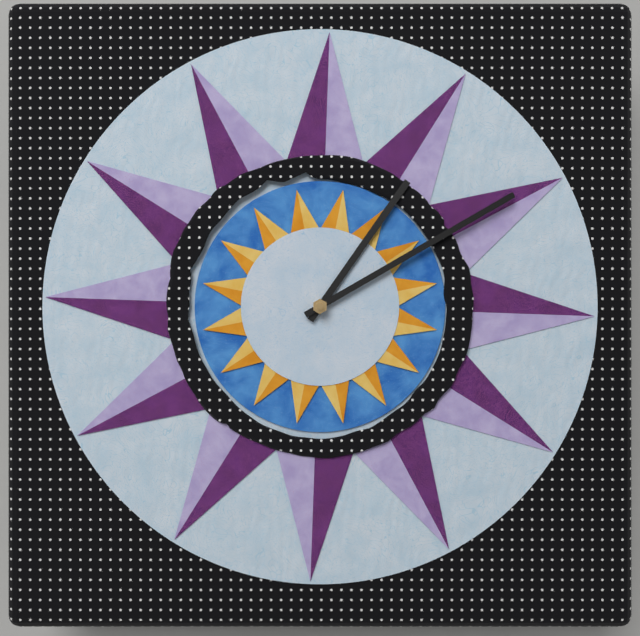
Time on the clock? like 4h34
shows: 1h10
